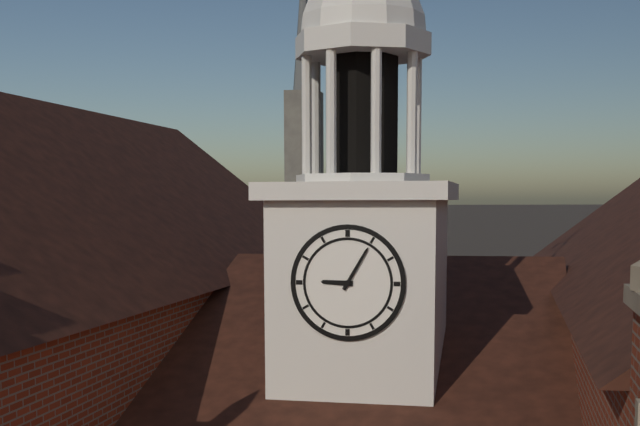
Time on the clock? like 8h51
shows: 9h05
